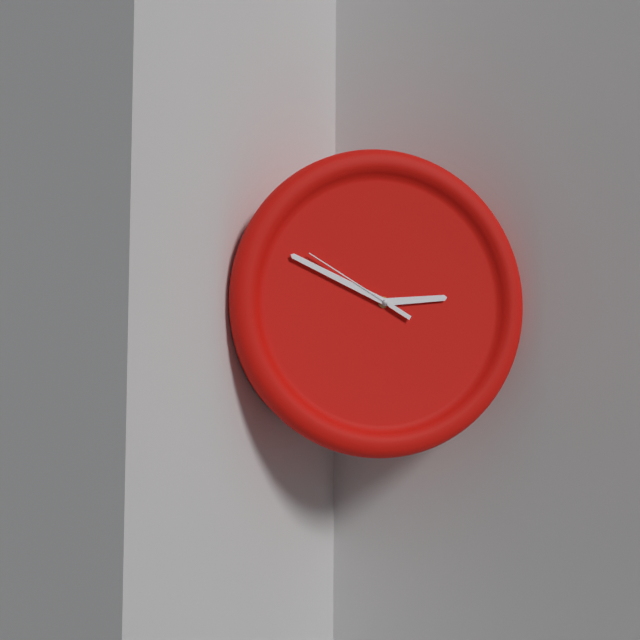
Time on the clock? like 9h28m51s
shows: 2h49m50s
